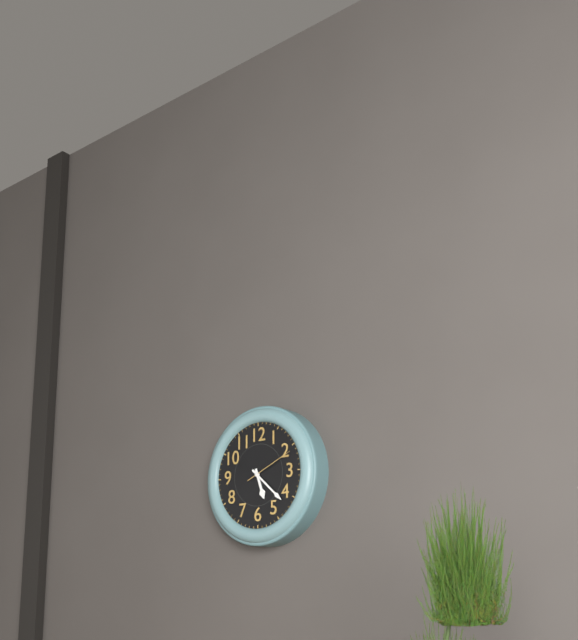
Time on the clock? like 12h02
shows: 5h22
